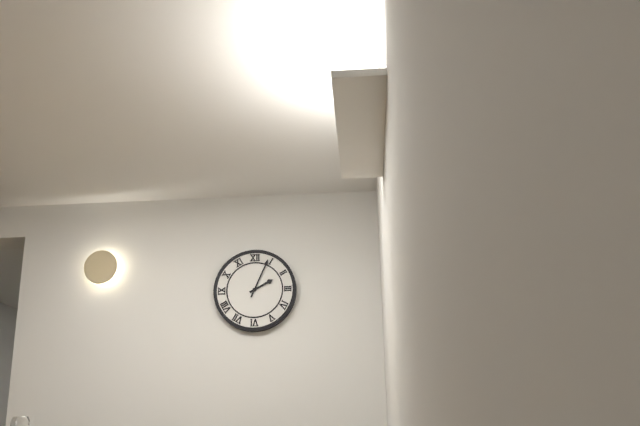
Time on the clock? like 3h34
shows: 2h04
